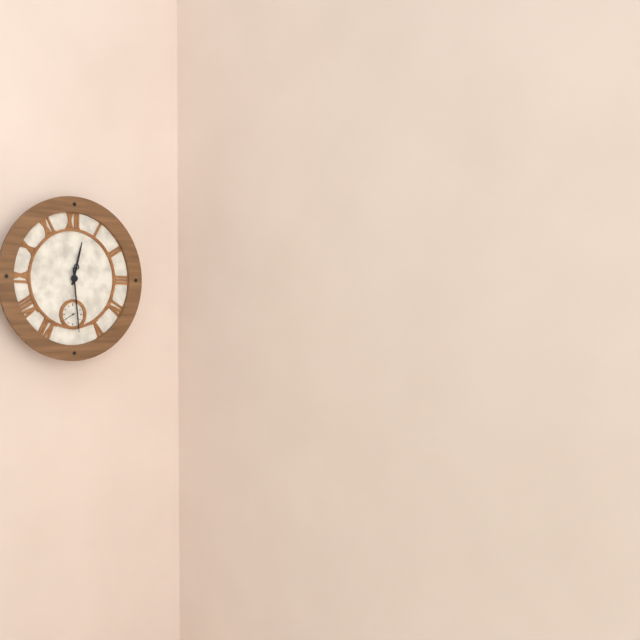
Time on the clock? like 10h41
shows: 12h29
